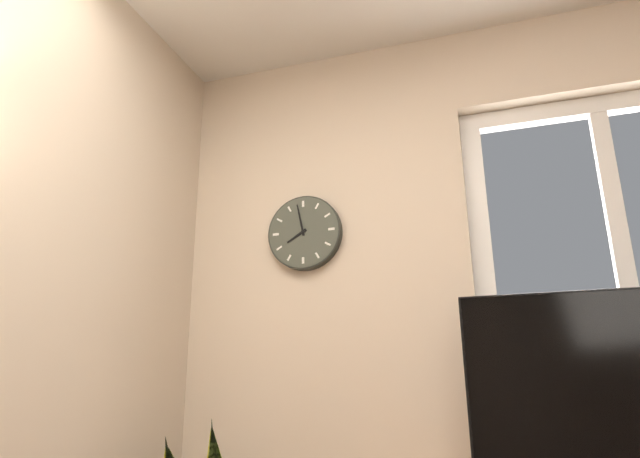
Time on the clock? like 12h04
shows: 7h58
